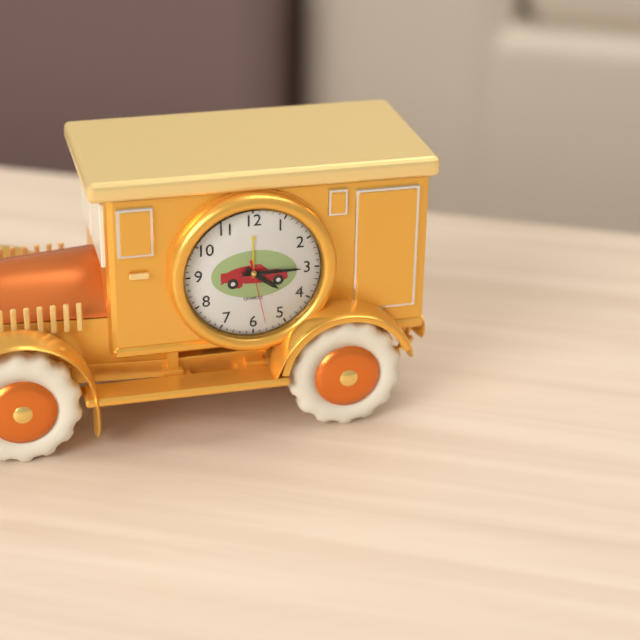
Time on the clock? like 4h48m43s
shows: 4h15m28s
